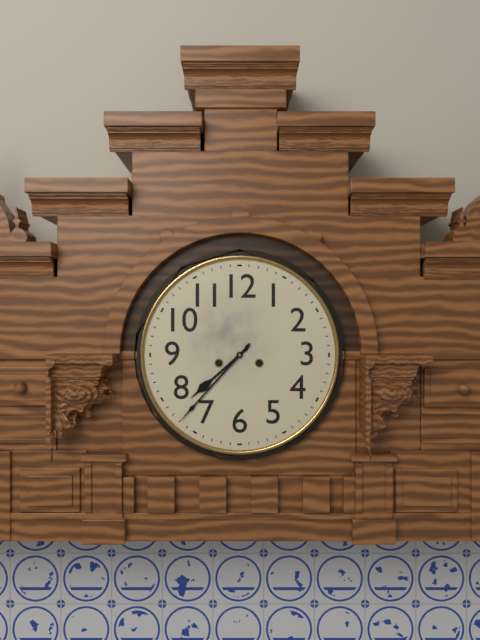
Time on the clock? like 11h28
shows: 7h37
